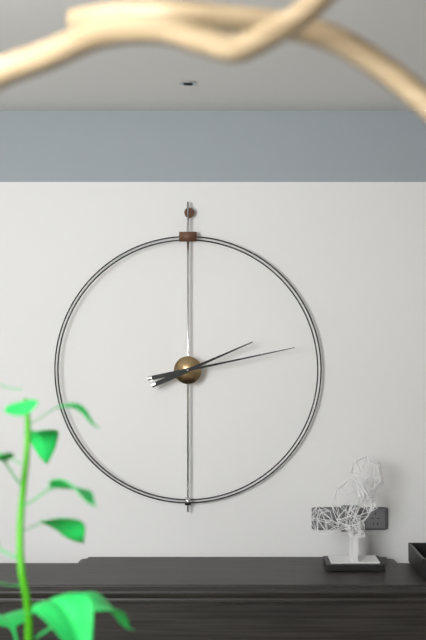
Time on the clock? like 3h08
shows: 2h13
